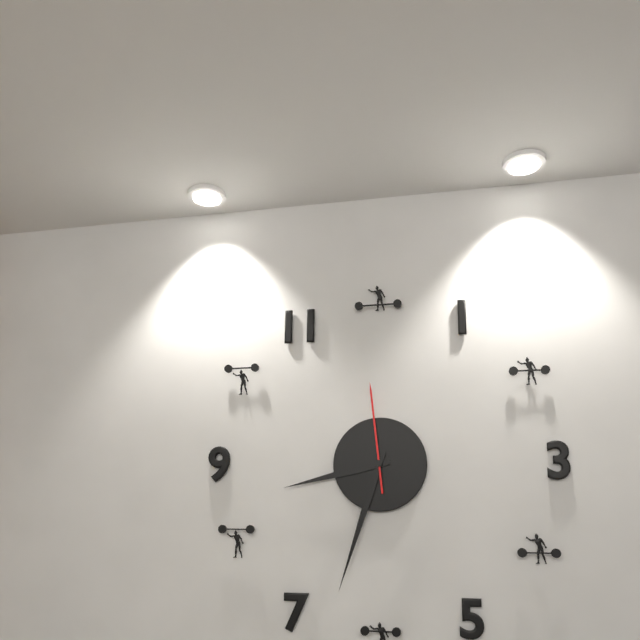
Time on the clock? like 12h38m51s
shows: 8h33m59s
